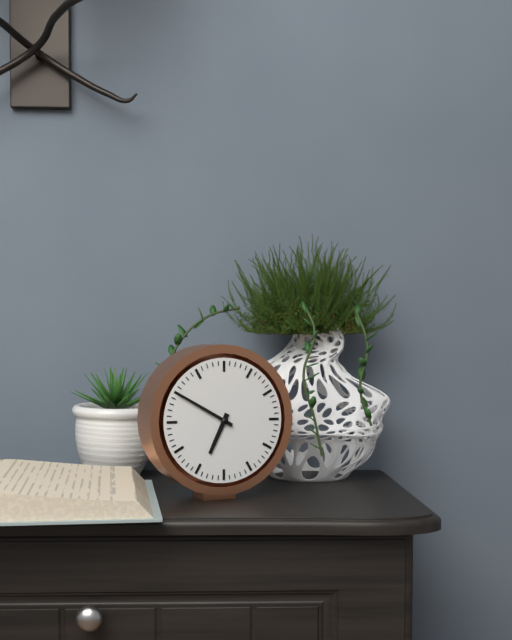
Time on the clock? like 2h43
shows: 6h50
